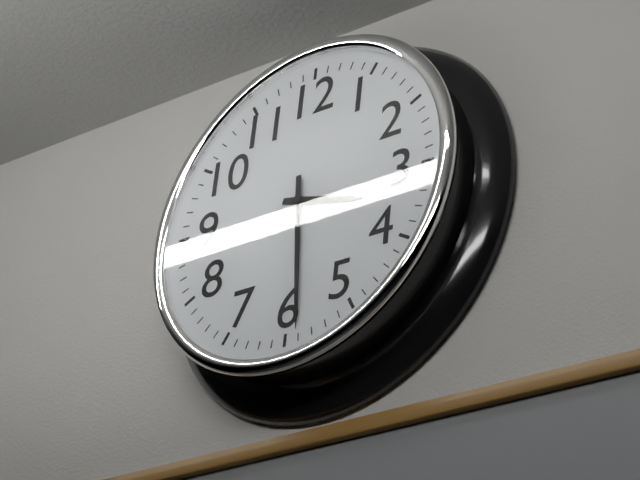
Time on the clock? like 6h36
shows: 3h29
